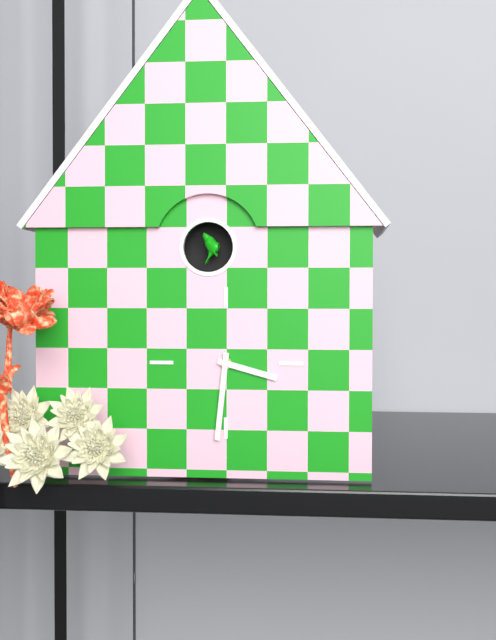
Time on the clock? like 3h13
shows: 3h31
